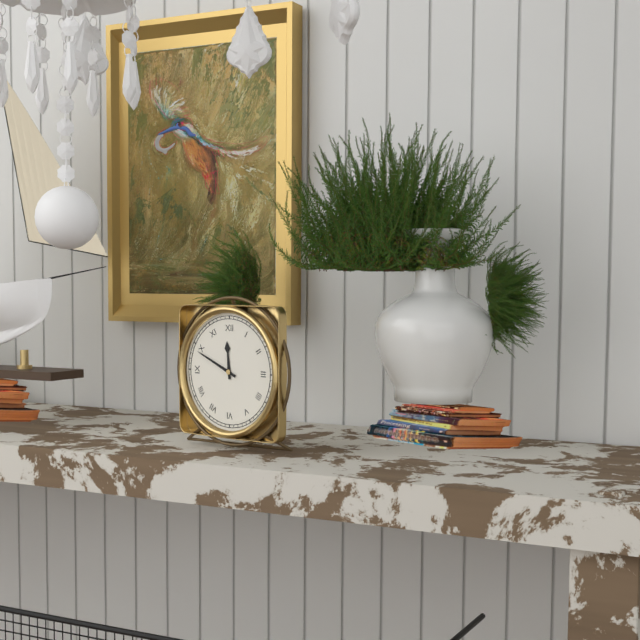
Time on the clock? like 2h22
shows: 11h49
